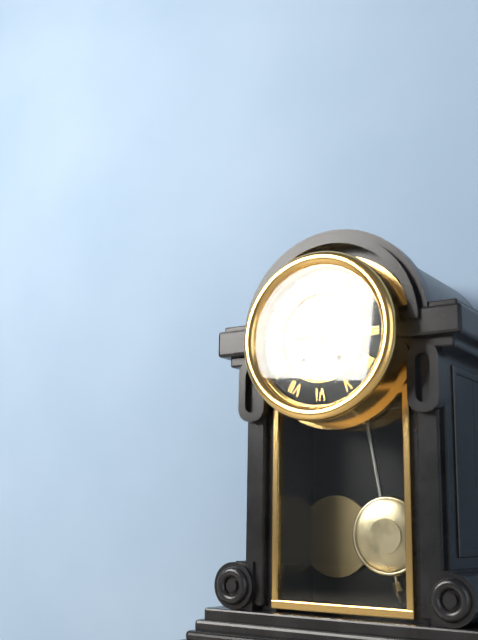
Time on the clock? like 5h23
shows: 9h19
